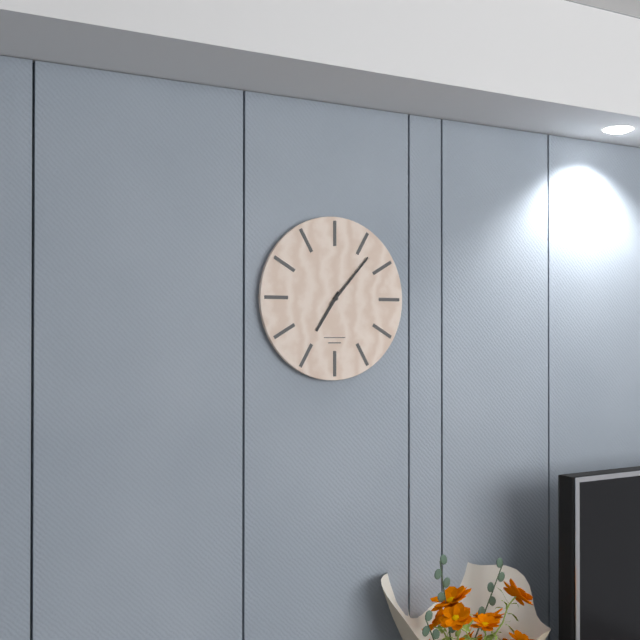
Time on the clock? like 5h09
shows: 7h07
